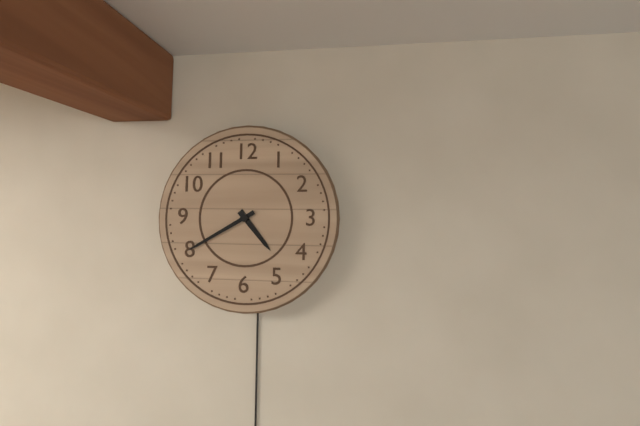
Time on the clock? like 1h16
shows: 4h40
